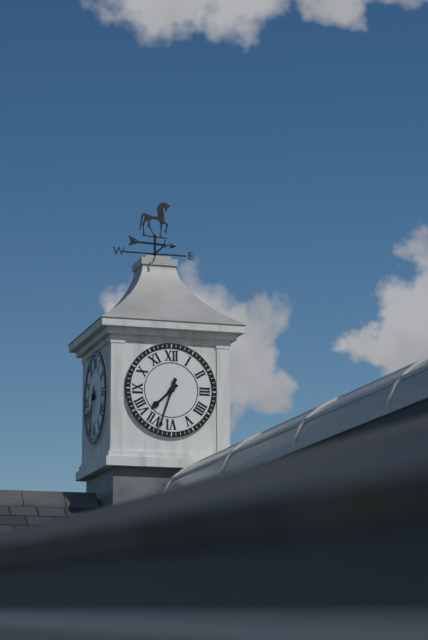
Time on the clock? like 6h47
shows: 7h33
